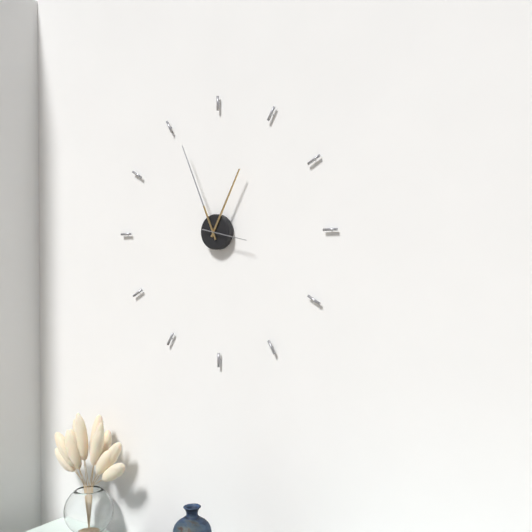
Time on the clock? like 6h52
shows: 12h56
